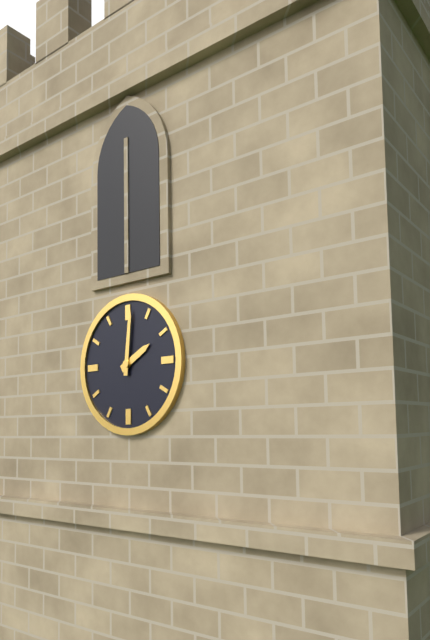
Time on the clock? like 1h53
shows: 2h01
